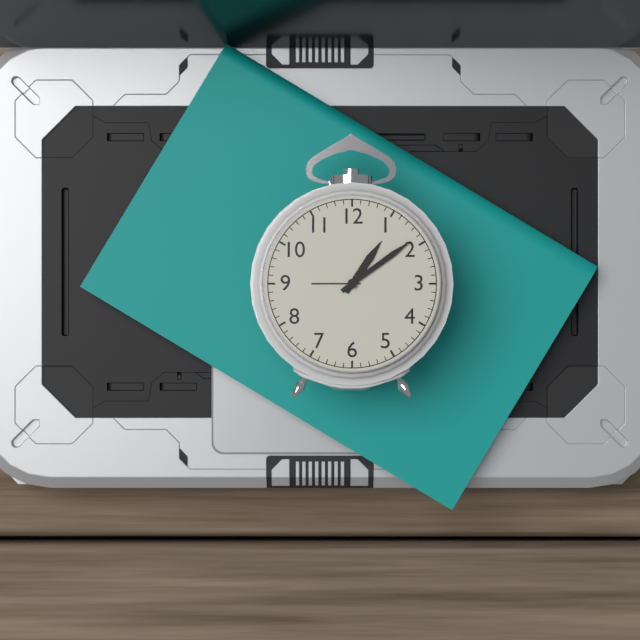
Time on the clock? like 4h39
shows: 1h09
